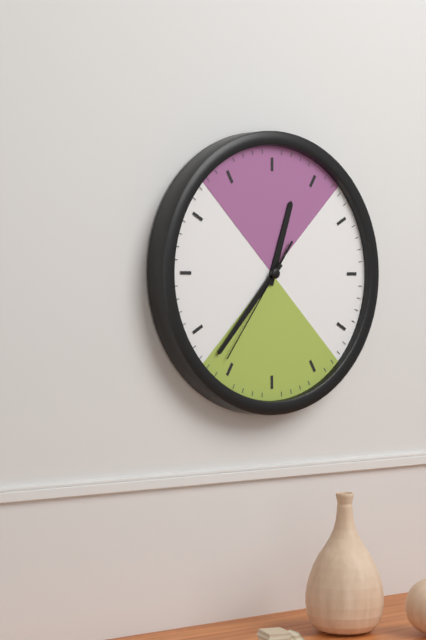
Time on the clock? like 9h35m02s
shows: 12h37m36s
